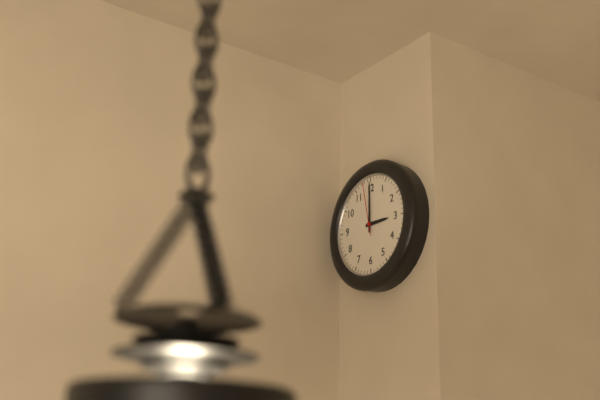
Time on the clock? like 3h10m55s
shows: 3h00m58s
